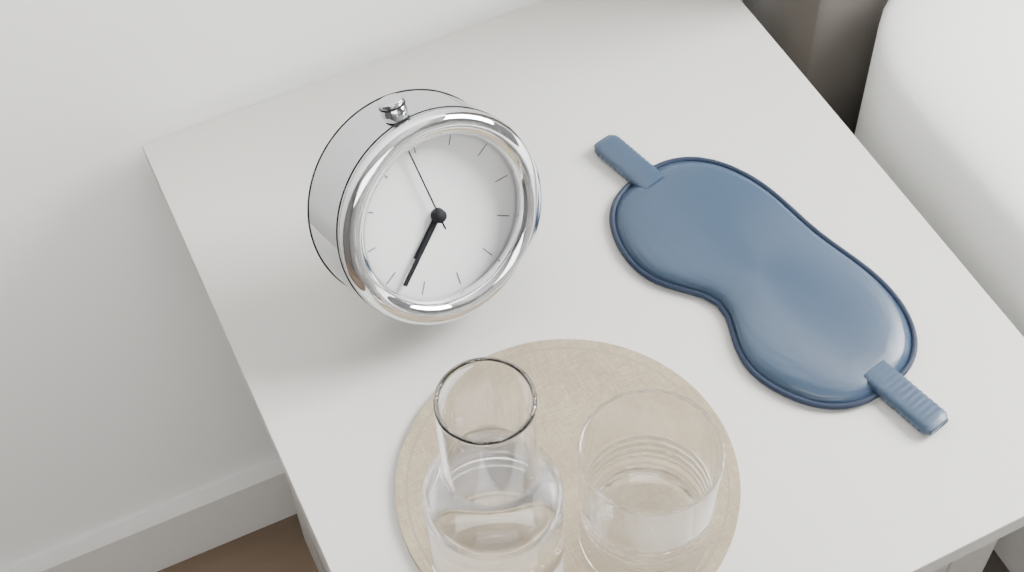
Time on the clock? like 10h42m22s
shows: 7h38m59s
